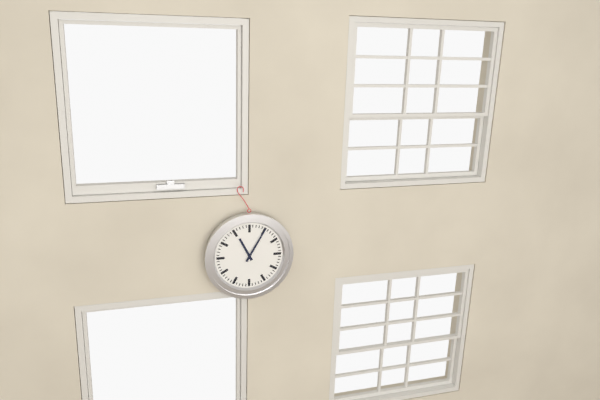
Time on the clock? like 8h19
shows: 11h05
